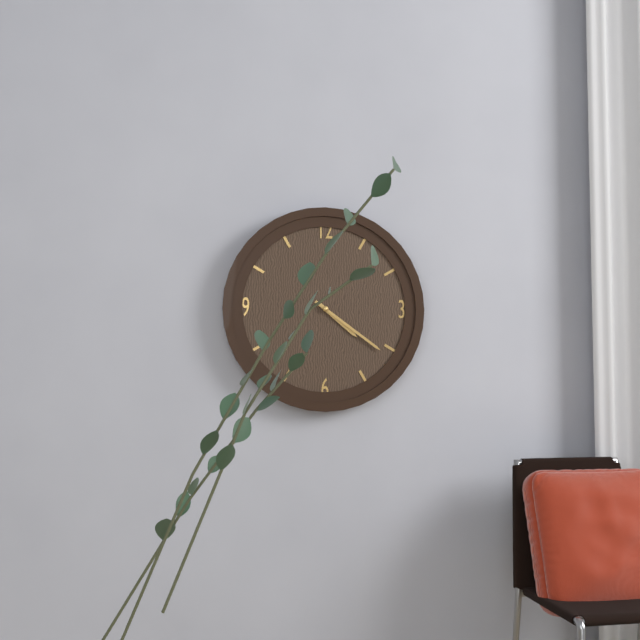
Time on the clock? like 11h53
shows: 4h21
